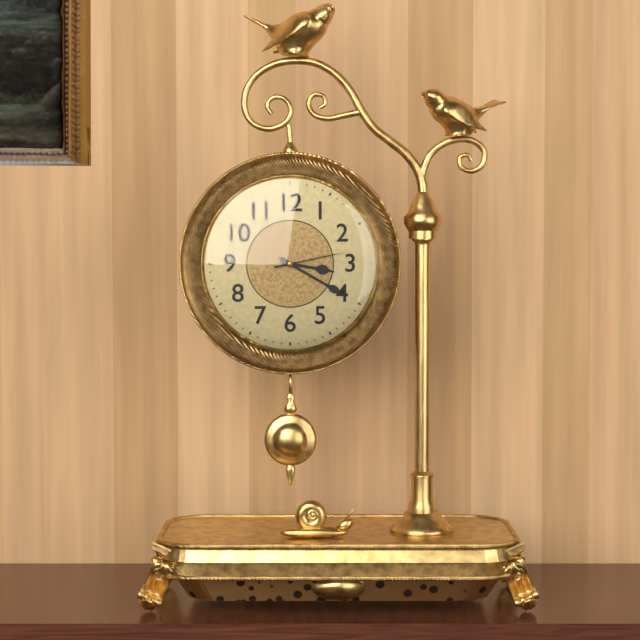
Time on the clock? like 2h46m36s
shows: 3h20m13s
